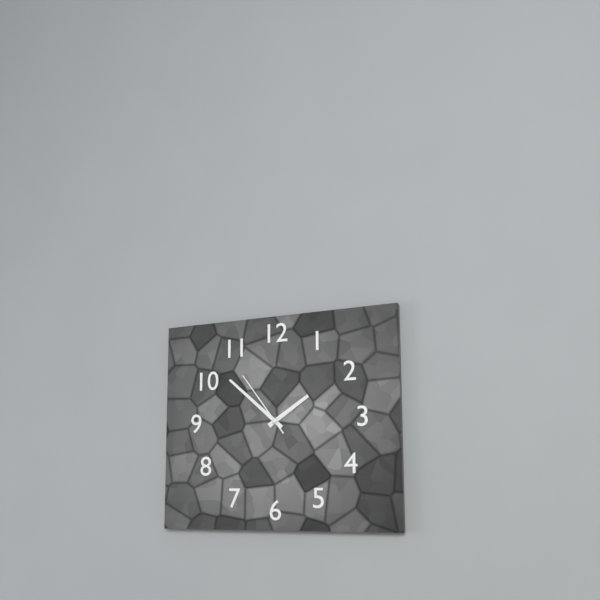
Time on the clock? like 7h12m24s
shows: 1h52m54s
